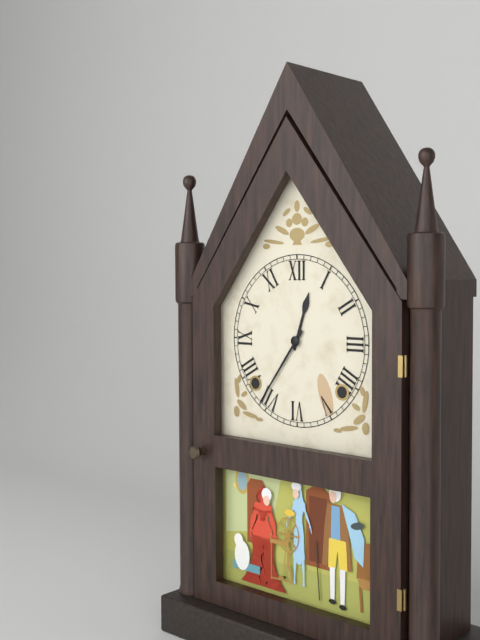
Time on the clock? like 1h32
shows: 12h36
